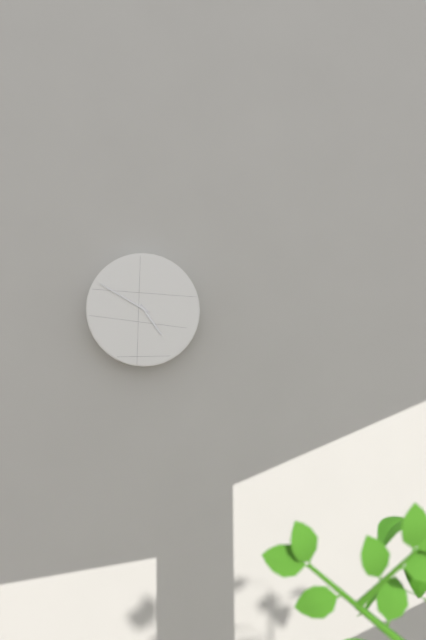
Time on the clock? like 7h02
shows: 4h50
